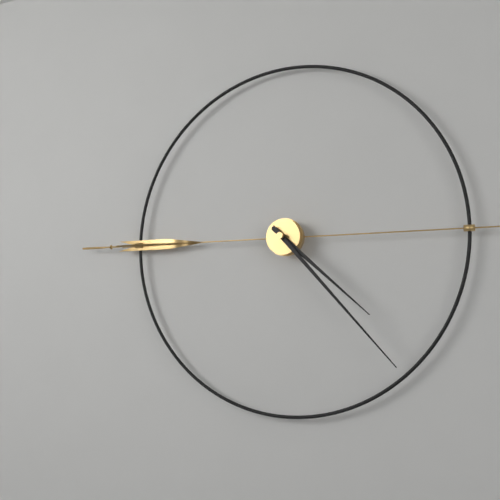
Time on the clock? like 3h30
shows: 4h23
